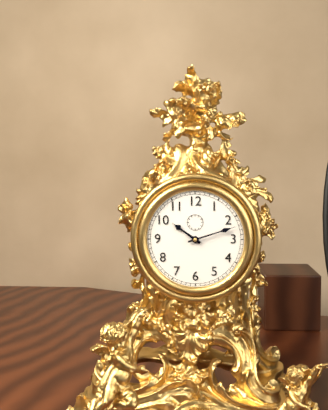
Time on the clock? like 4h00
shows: 10h12
